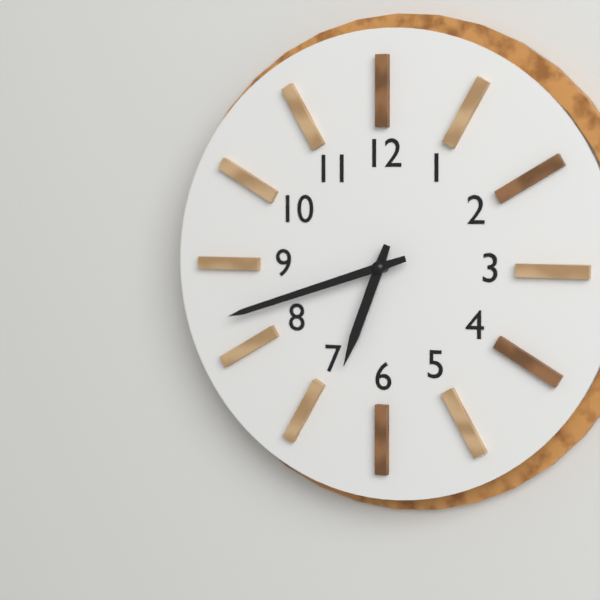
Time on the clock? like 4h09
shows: 6h42
